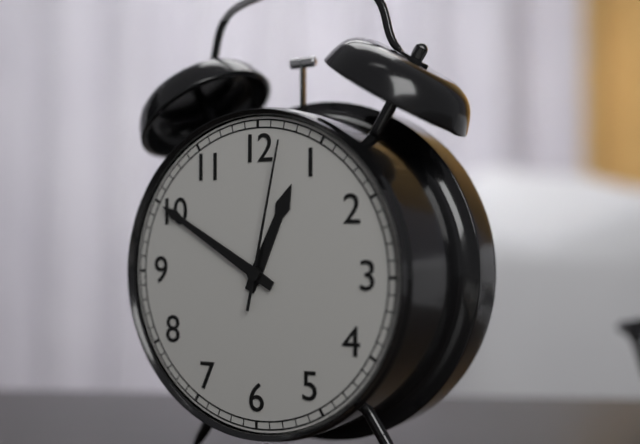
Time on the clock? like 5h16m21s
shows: 12h50m02s
